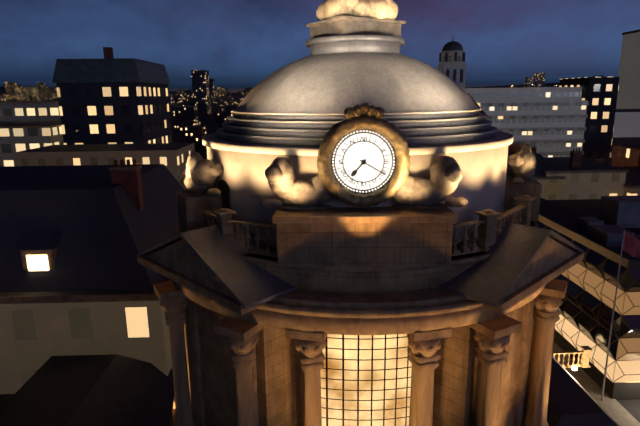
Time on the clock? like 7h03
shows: 7h20
